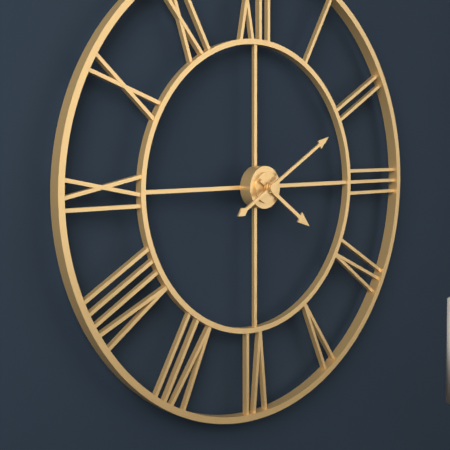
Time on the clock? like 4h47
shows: 4h10
